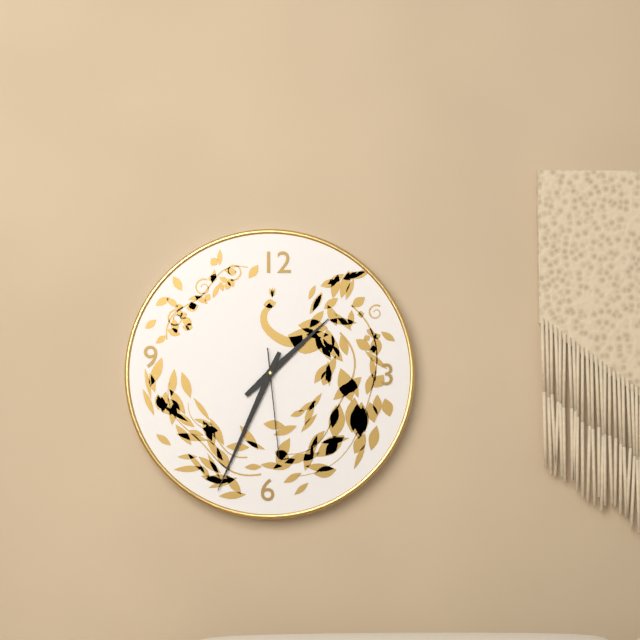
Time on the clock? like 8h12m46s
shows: 1h34m29s
